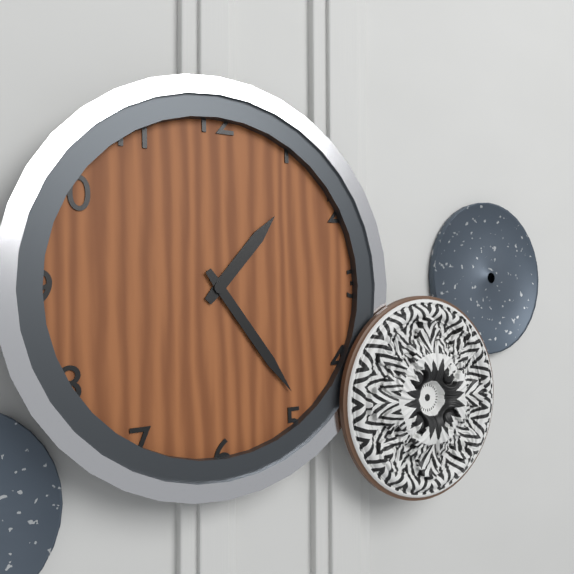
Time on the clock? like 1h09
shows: 1h24
